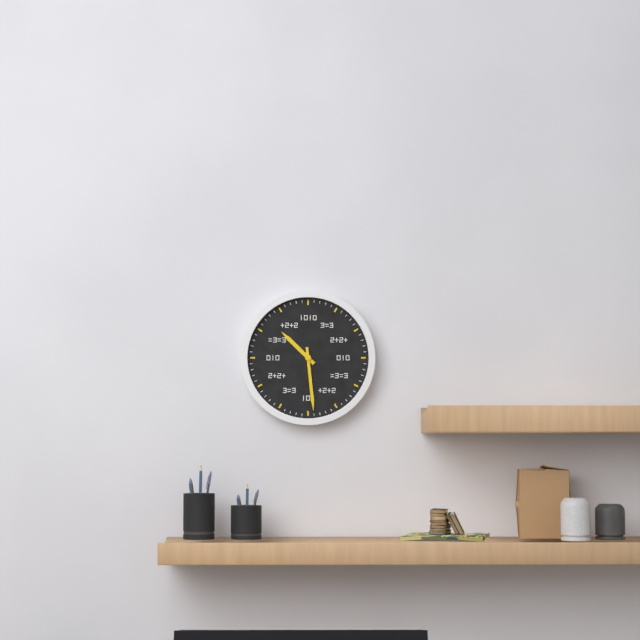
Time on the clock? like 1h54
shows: 10h29
